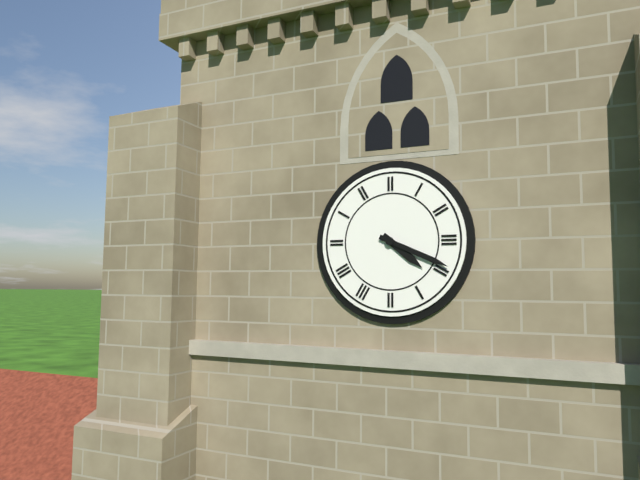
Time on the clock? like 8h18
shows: 4h19
